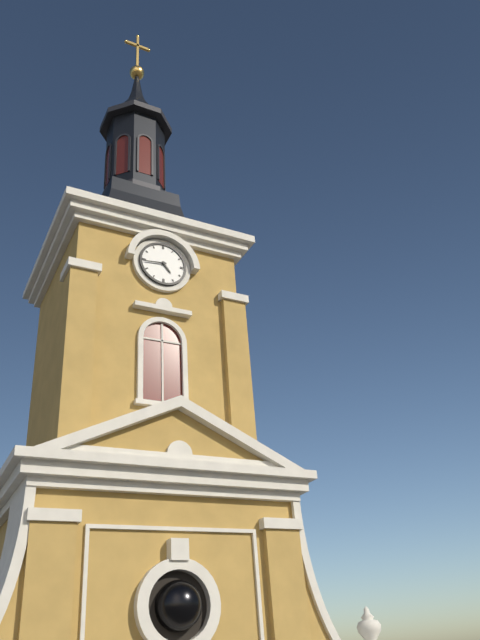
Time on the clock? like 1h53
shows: 4h44
